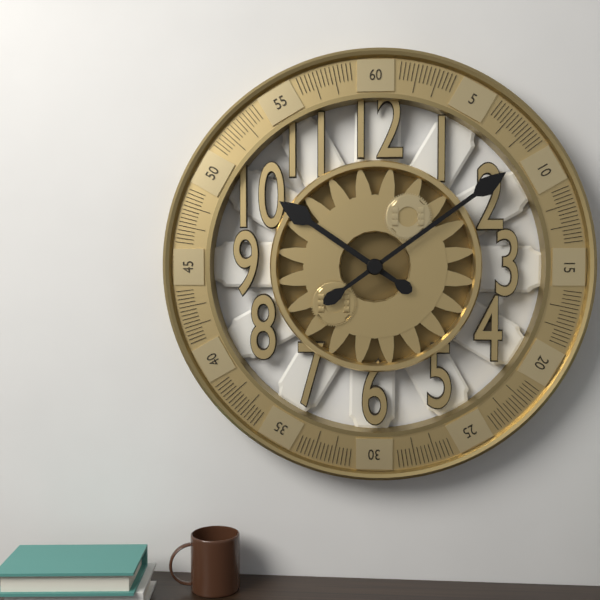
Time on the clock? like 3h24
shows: 10h09
